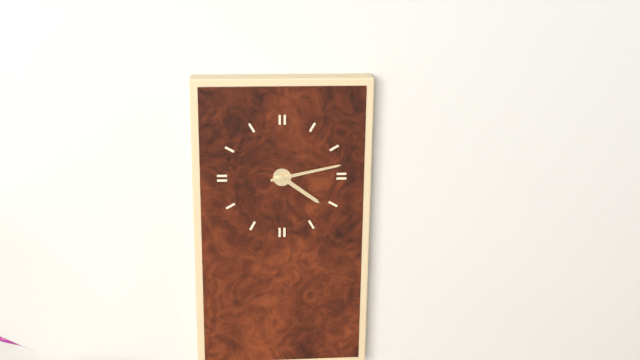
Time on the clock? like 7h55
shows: 4h13
